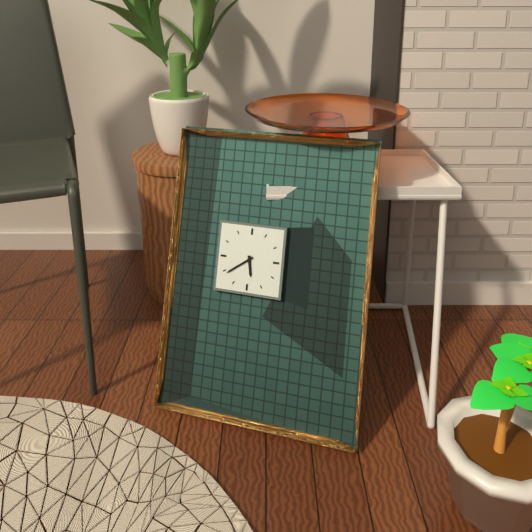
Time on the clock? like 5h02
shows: 5h39
